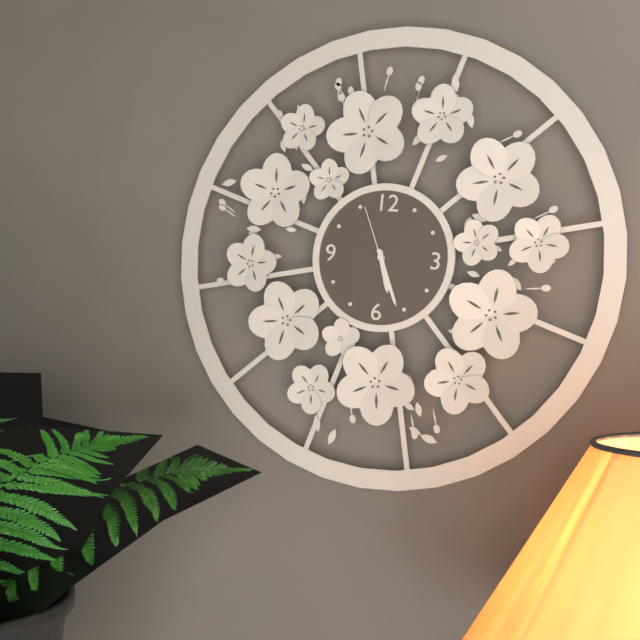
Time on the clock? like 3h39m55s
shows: 5h26m56s
